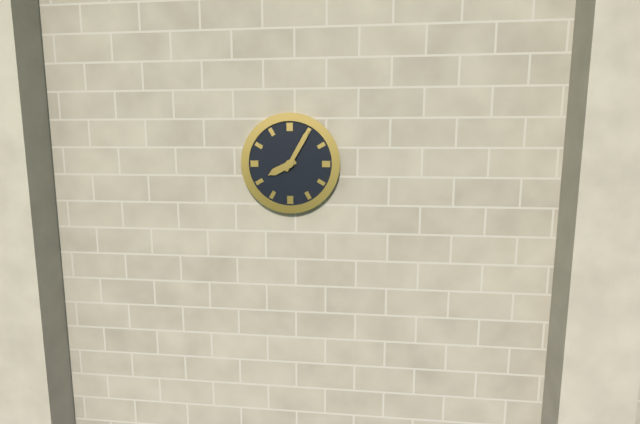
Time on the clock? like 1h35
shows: 8h05
